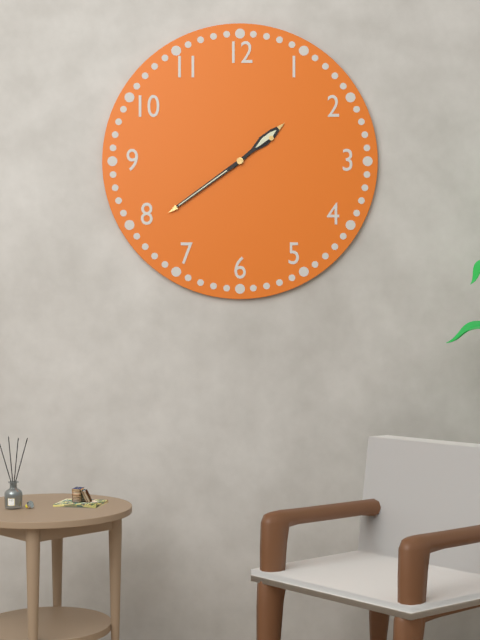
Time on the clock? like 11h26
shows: 1h39
